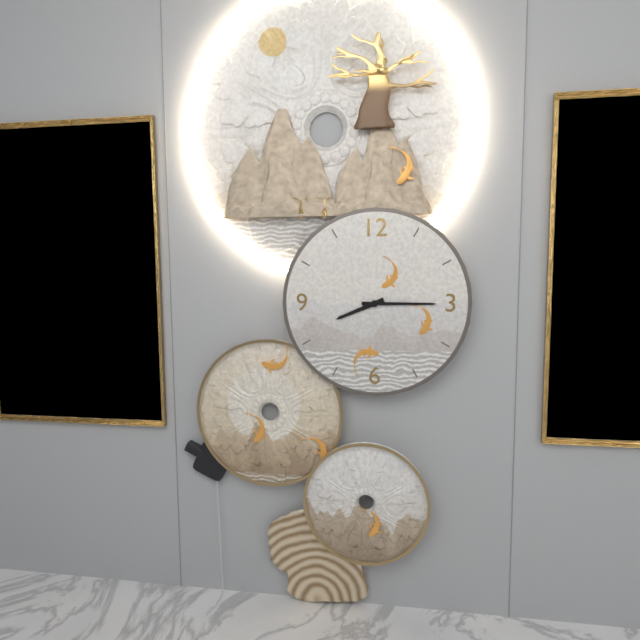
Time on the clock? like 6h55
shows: 8h15
